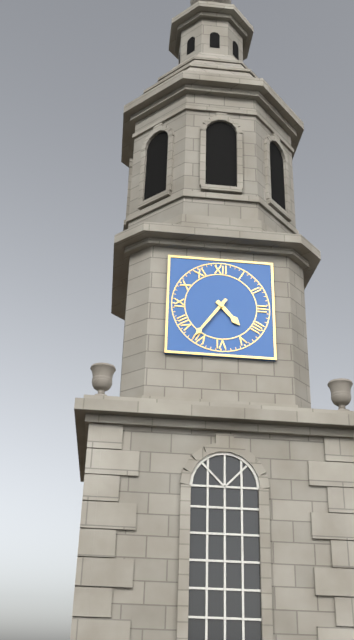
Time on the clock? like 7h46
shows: 4h36
